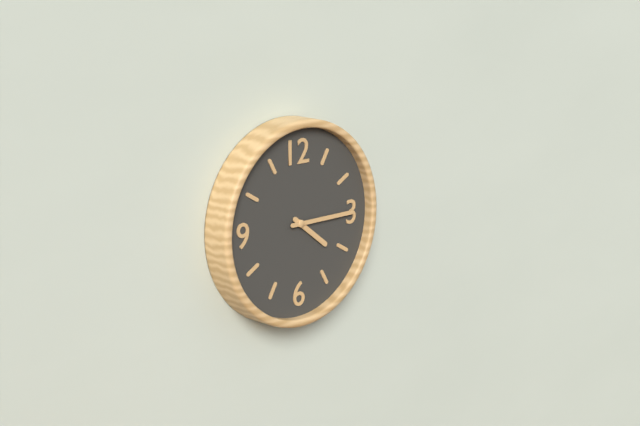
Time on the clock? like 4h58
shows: 4h15
